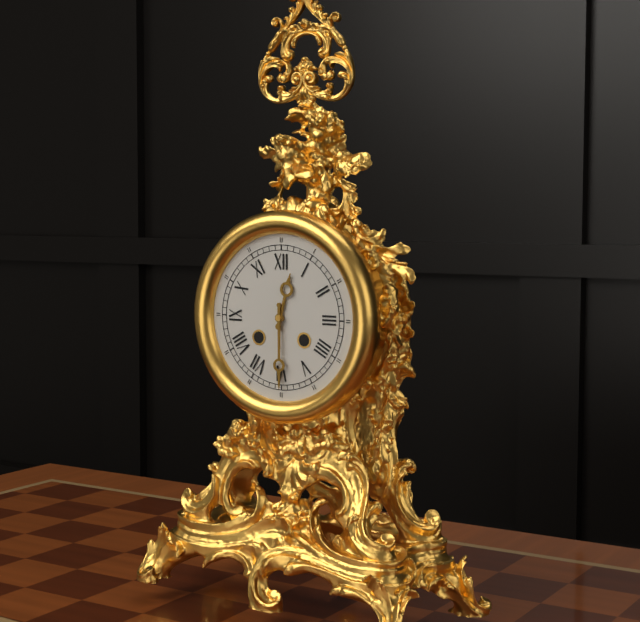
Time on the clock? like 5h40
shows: 12h30
